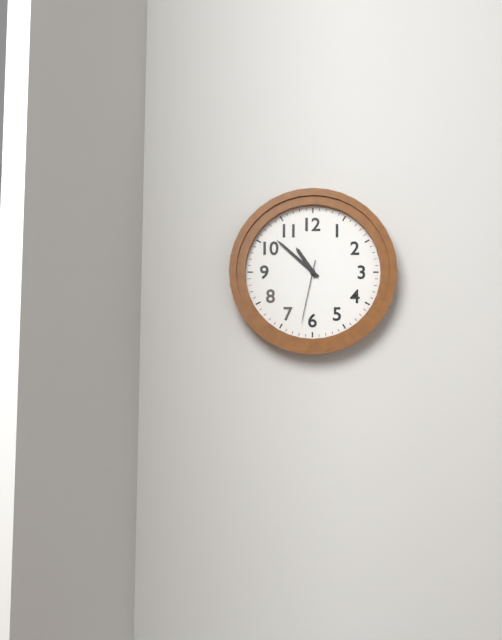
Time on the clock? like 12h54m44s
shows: 10h52m32s
